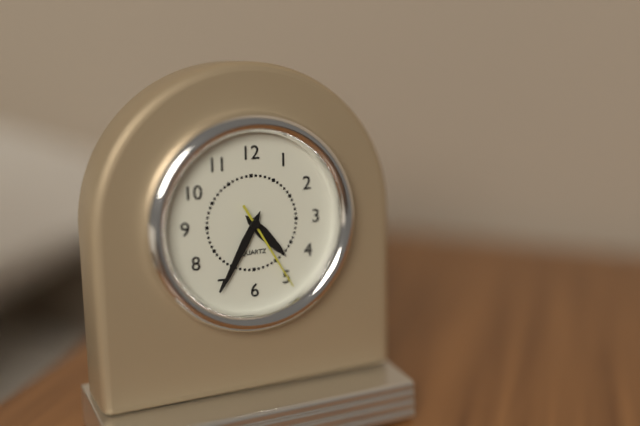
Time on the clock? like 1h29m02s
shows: 4h35m25s
